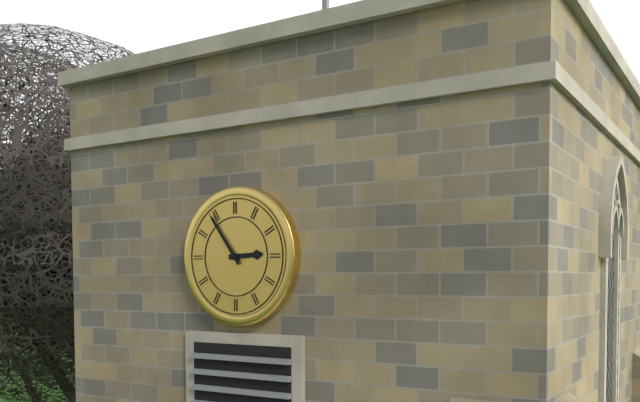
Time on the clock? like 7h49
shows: 2h54
